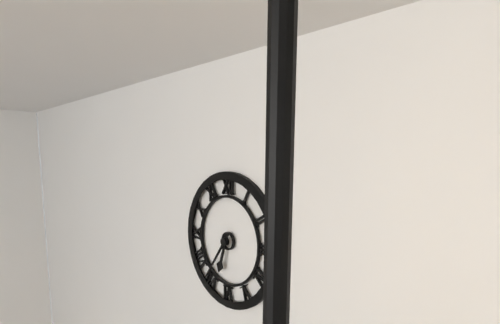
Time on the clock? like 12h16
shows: 6h36
